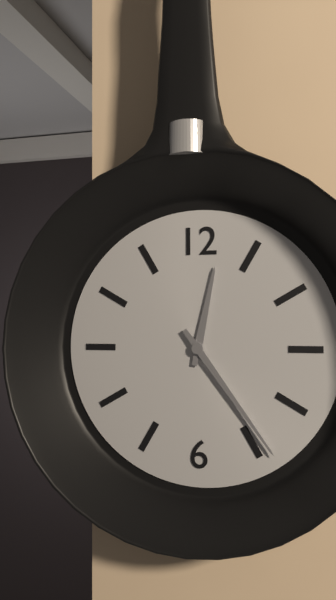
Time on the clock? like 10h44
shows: 12h24
